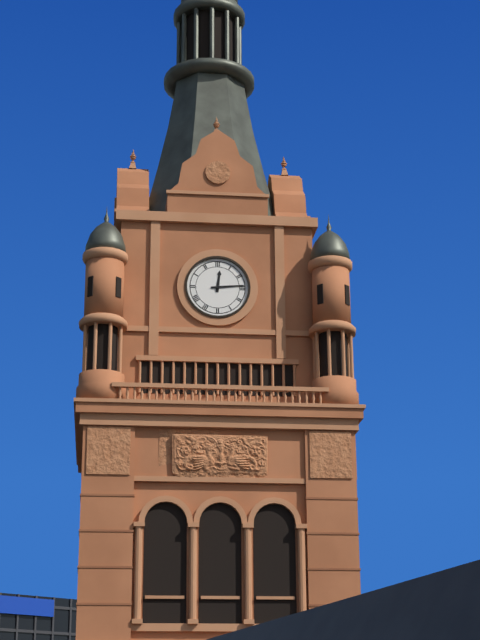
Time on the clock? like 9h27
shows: 12h14
